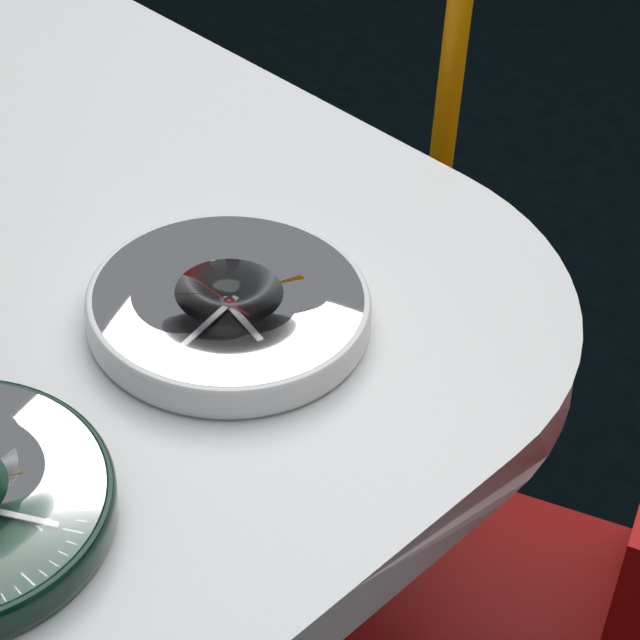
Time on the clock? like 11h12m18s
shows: 3h28m45s
